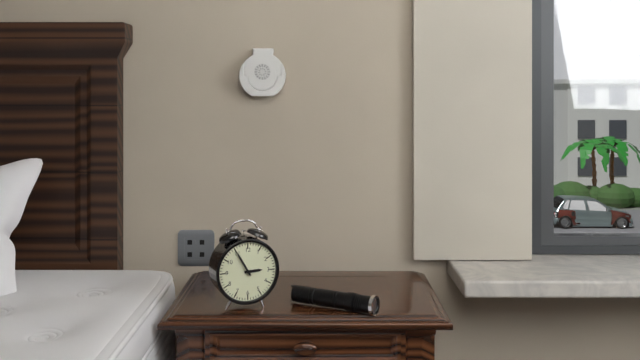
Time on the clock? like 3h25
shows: 2h55
